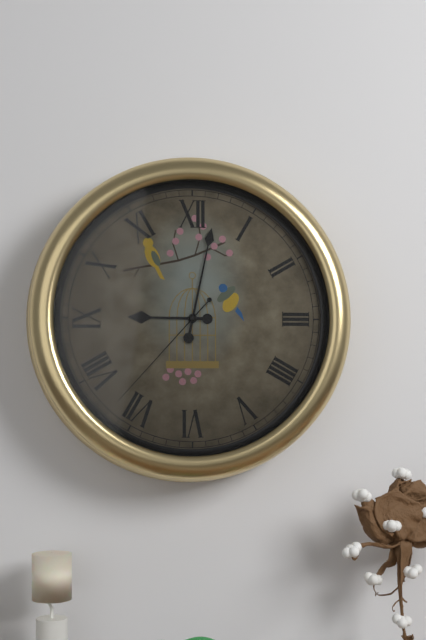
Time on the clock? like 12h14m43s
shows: 9h02m37s
